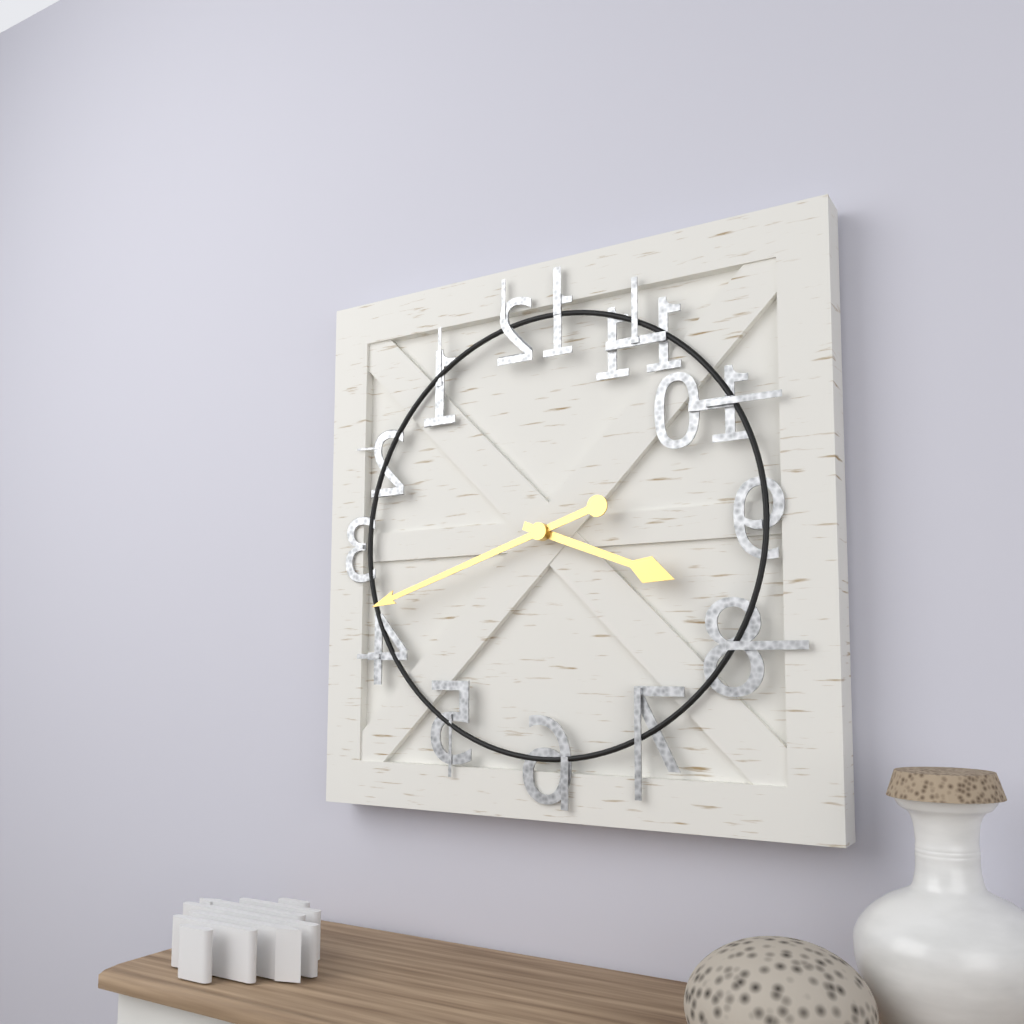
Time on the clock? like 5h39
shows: 3h42
